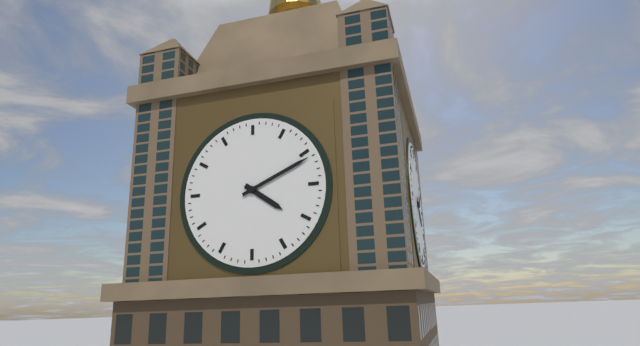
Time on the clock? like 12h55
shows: 4h11
